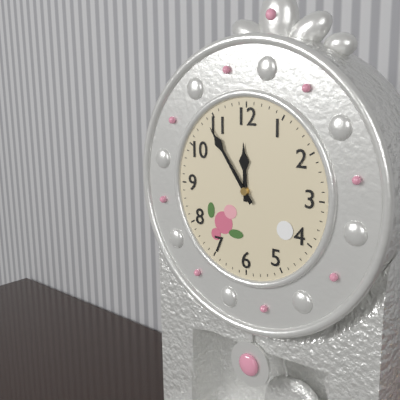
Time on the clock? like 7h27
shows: 11h54
